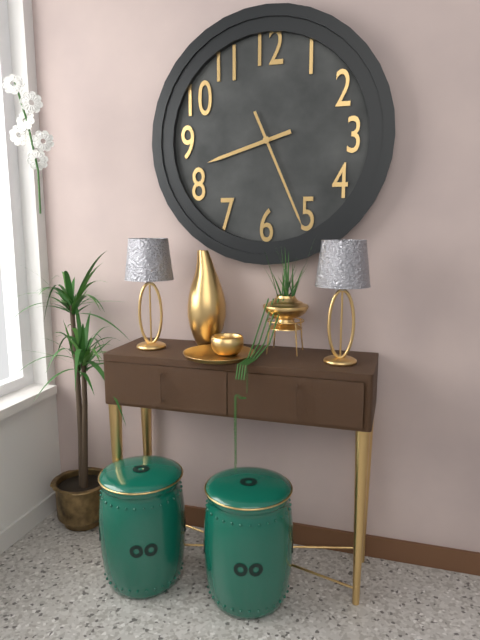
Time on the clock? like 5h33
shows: 8h26
